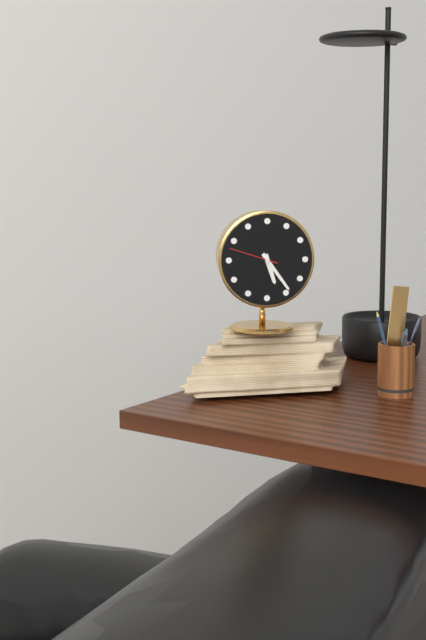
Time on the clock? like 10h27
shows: 5h24
